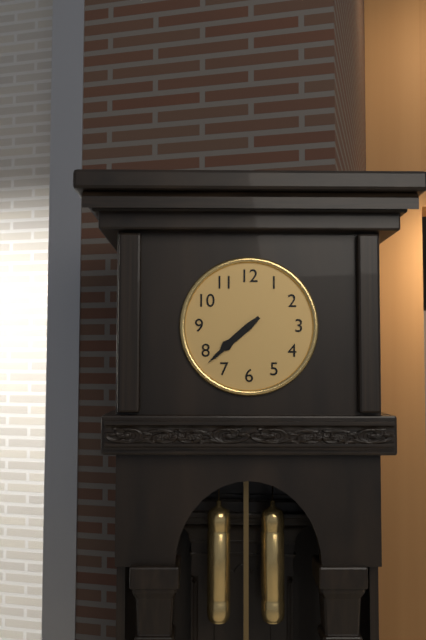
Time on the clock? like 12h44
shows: 7h38
